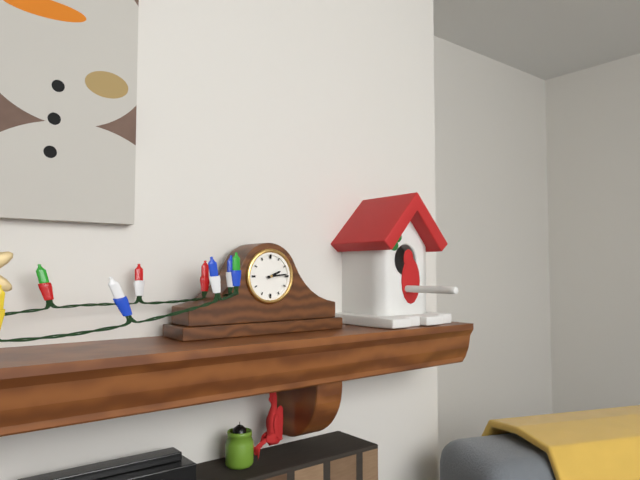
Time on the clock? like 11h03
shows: 2h14
